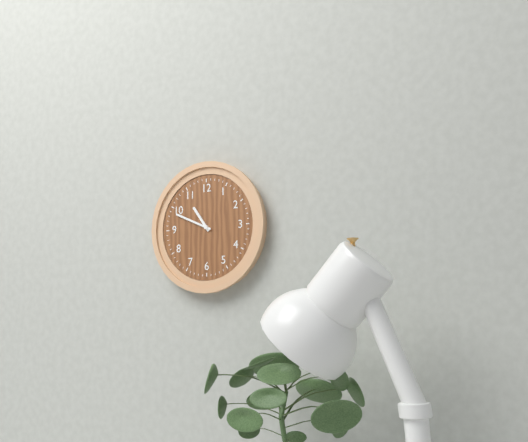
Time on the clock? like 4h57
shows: 10h49
